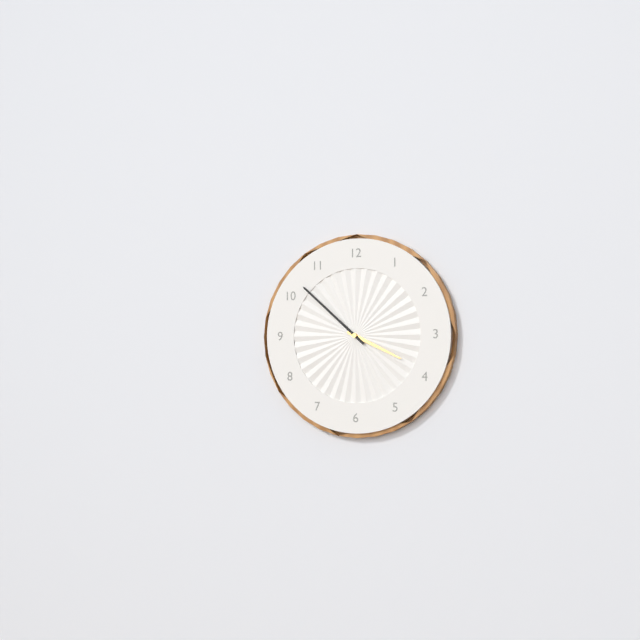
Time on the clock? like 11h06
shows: 3h52
